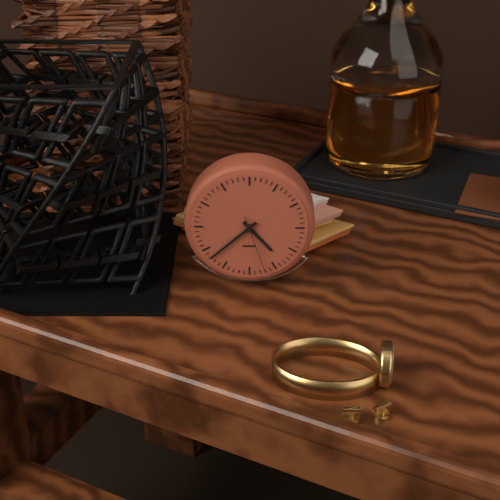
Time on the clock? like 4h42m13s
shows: 4h38m27s
